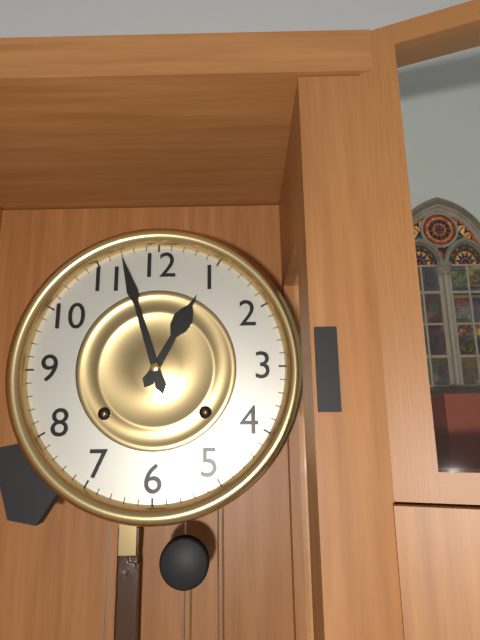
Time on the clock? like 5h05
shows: 12h57
